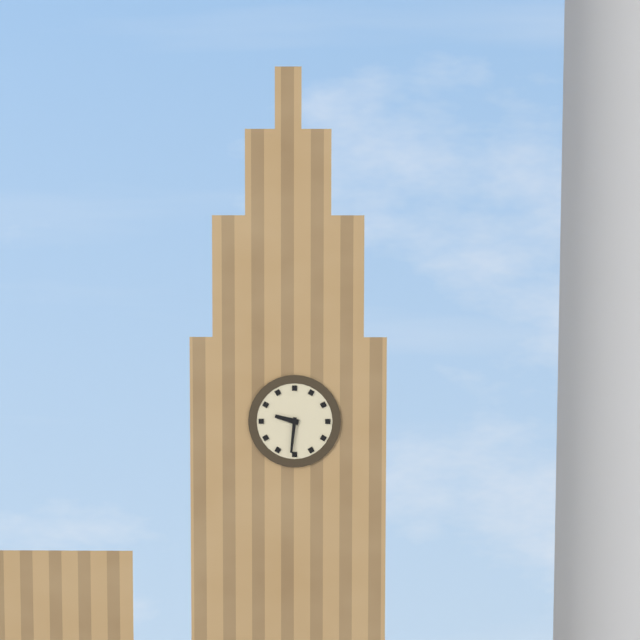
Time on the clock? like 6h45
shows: 9h31
